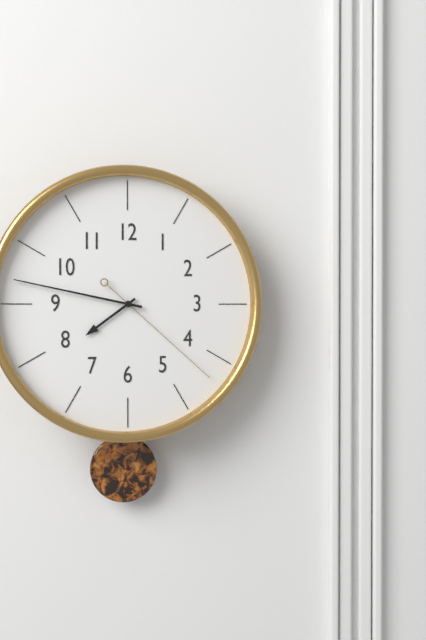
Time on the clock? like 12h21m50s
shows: 7h47m22s
